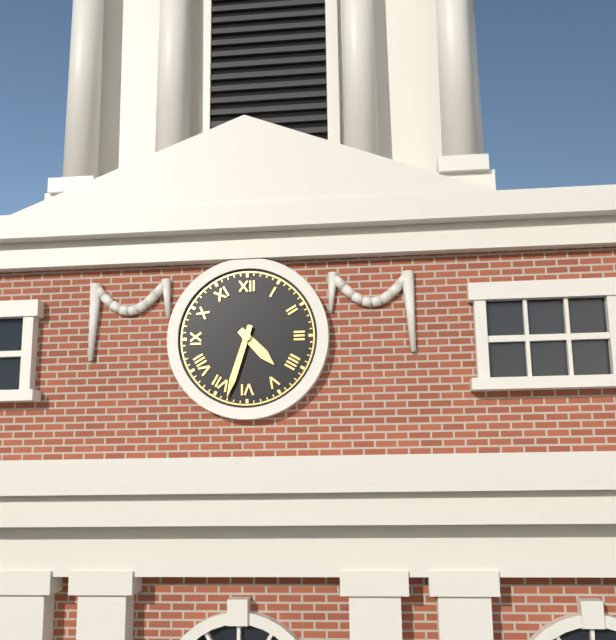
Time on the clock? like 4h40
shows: 4h33
